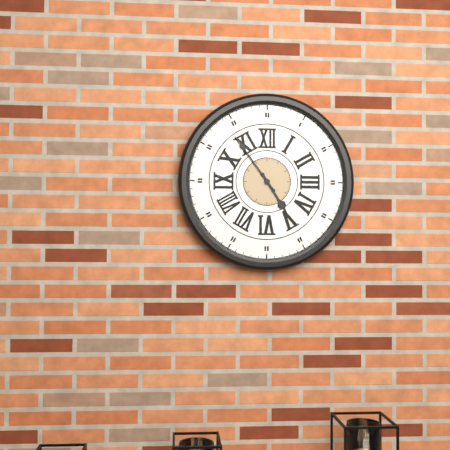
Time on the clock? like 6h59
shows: 4h54
